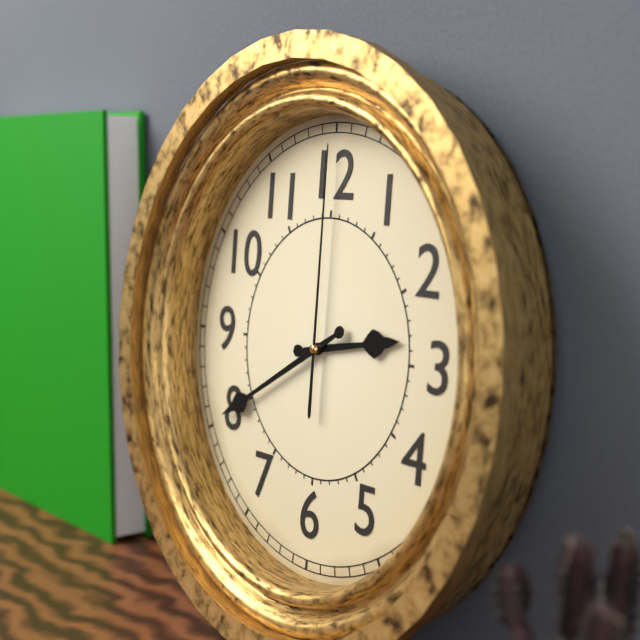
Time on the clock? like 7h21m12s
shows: 2h40m00s
